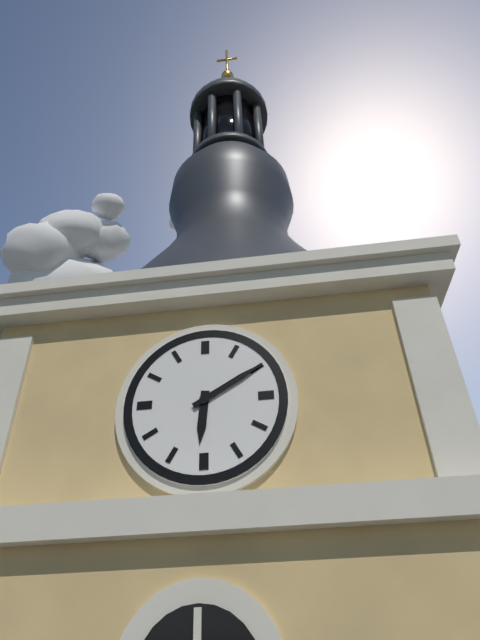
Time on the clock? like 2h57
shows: 6h10
